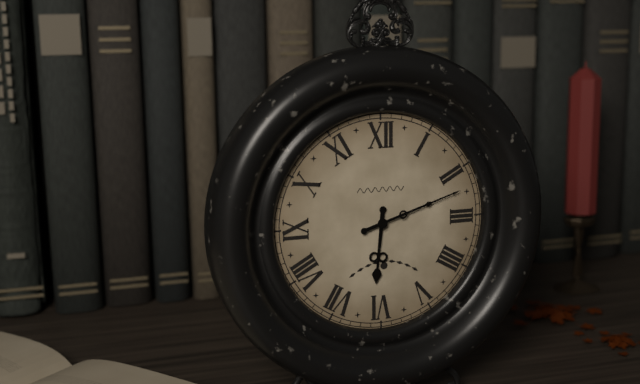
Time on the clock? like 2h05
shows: 6h12
